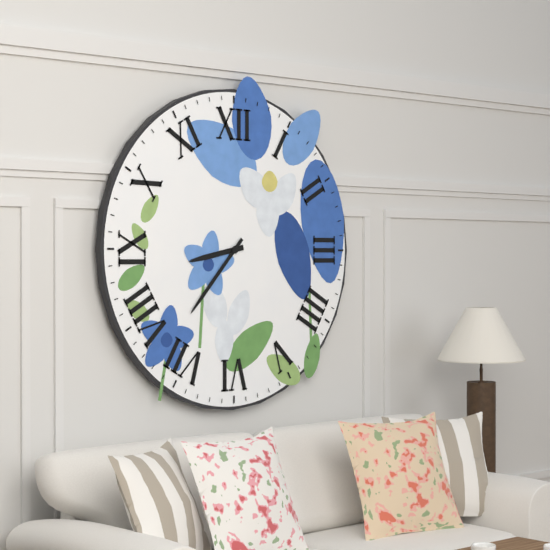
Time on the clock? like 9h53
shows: 8h37
